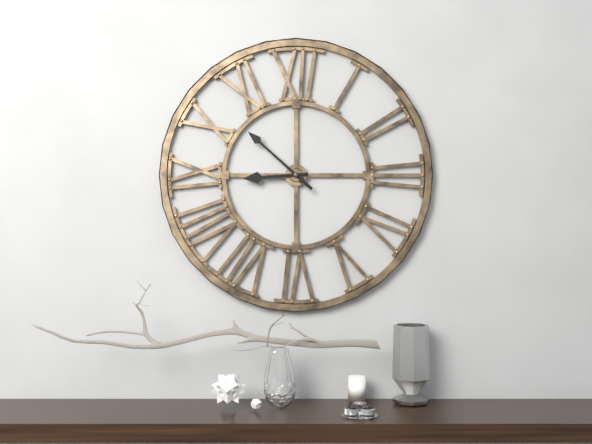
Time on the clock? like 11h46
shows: 8h52
